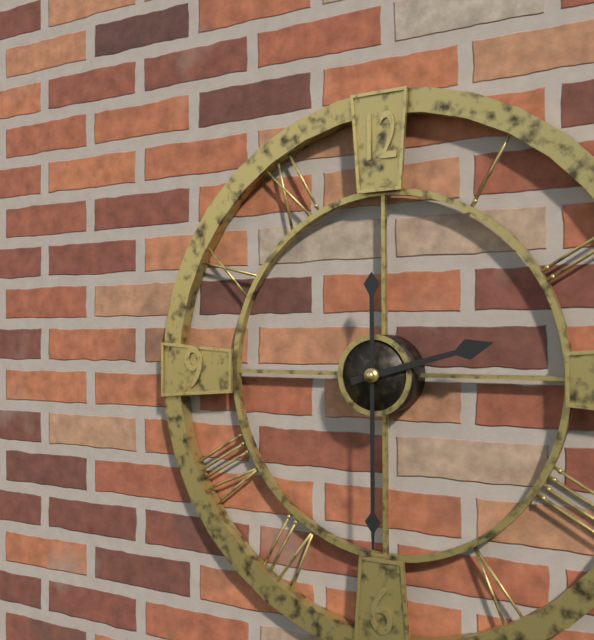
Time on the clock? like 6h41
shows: 2h30
